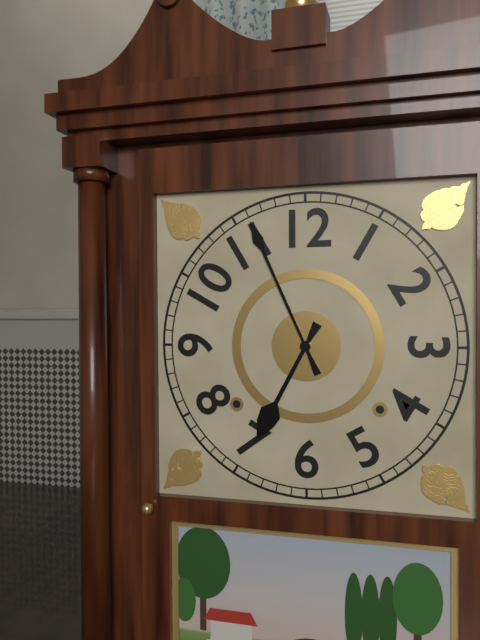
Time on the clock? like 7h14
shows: 6h56
